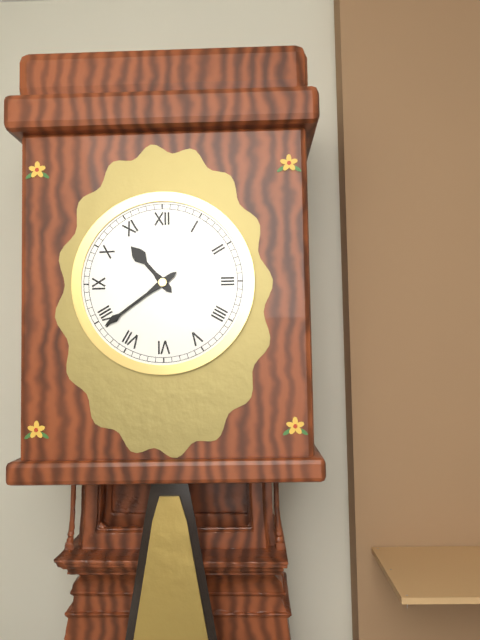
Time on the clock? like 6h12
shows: 10h39
